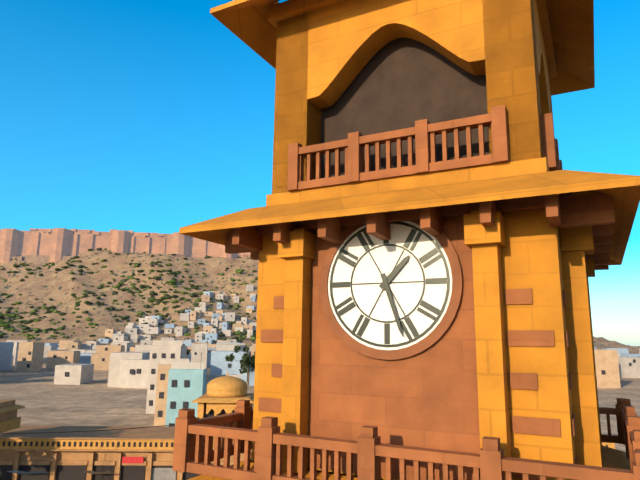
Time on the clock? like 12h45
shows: 1h27
